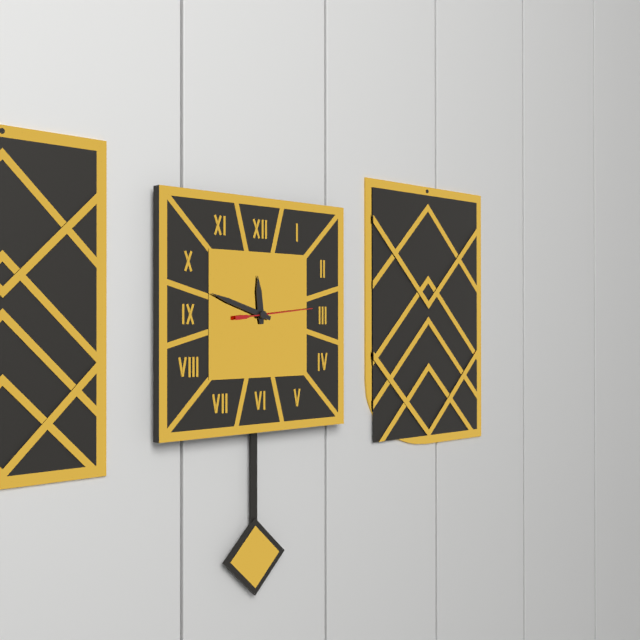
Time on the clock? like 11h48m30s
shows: 11h48m14s
